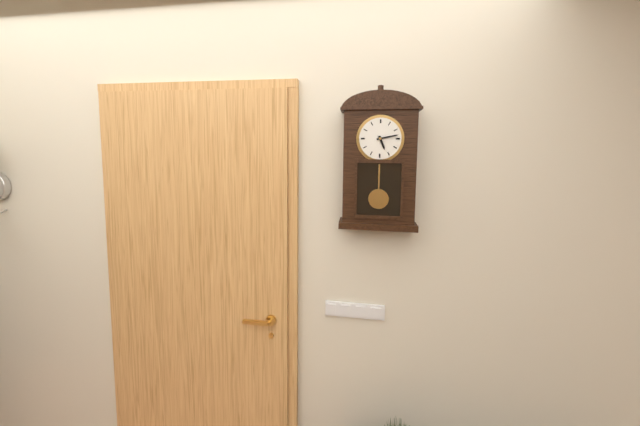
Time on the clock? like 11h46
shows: 5h13
